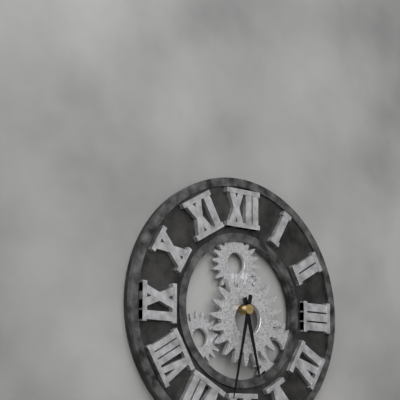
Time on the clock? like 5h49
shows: 5h32
